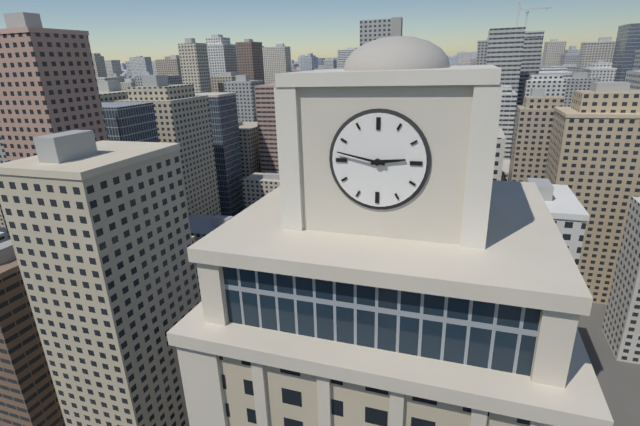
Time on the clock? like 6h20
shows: 2h47
